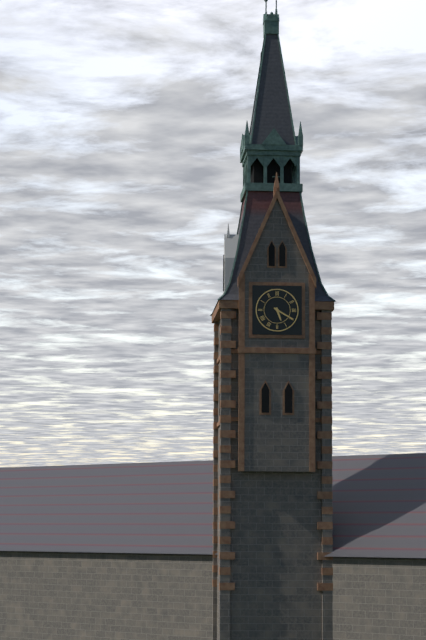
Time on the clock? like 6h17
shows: 5h20
